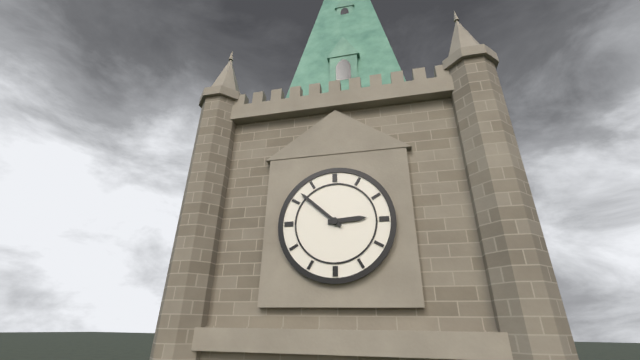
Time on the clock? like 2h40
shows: 2h52
